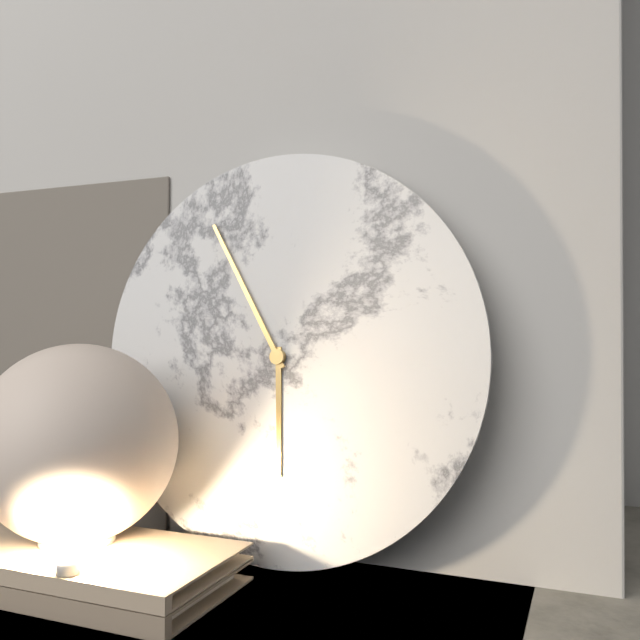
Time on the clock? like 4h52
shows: 5h55
